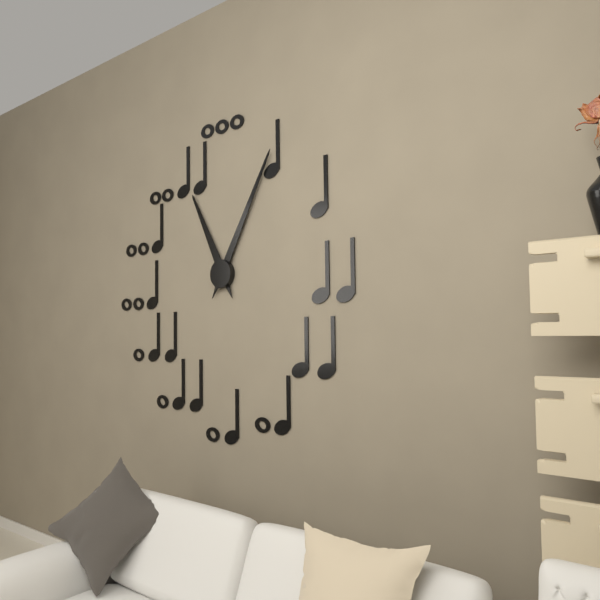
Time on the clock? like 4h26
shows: 11h05
